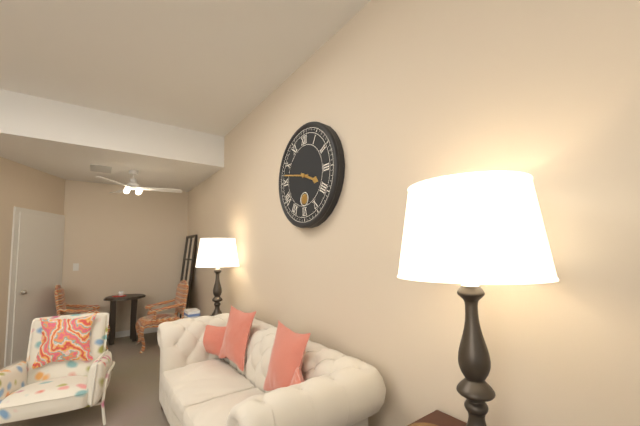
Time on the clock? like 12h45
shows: 3h47
